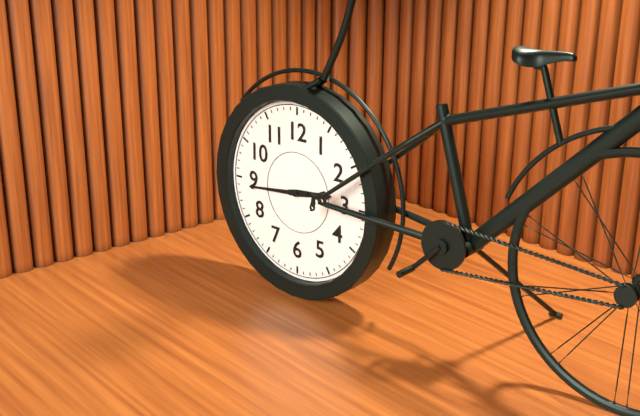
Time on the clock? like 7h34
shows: 2h44
